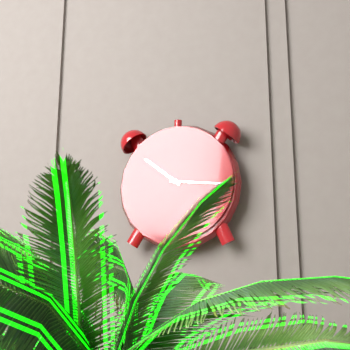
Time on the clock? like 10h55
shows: 10h16
